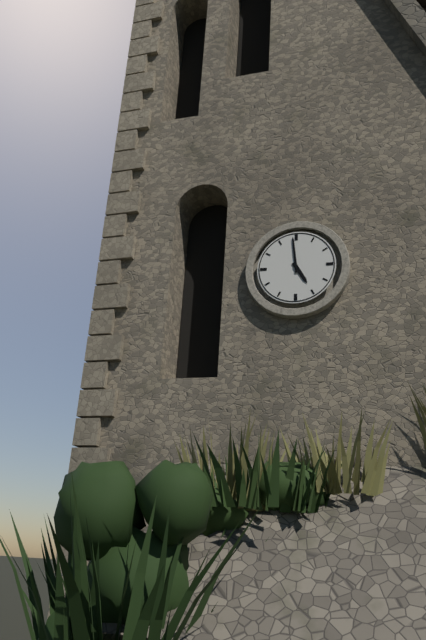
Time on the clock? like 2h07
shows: 4h59
